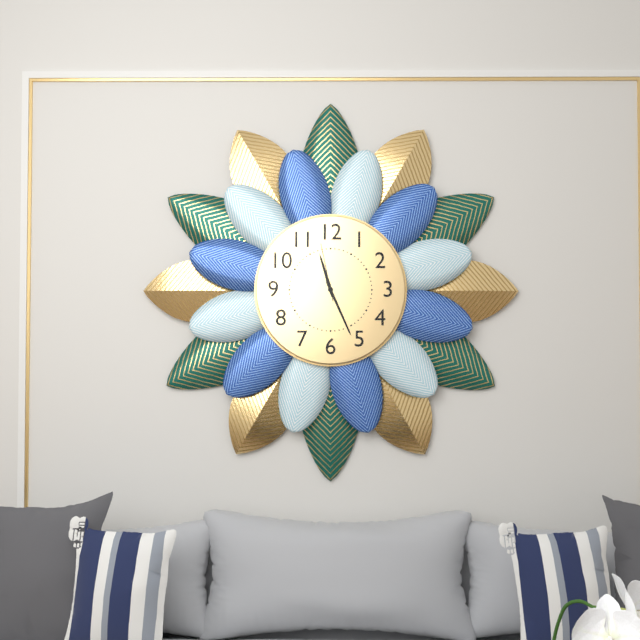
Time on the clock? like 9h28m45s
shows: 11h26m58s
